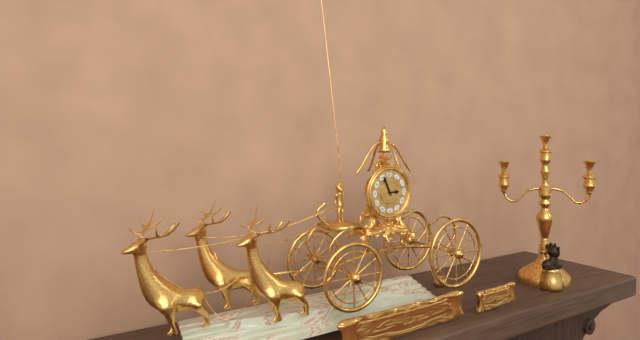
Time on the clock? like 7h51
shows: 2h56
